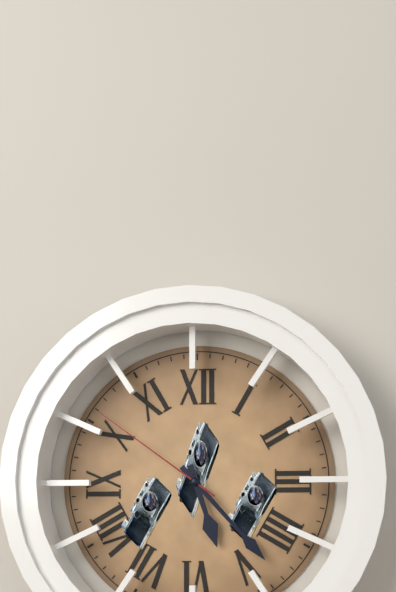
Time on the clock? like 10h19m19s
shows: 5h23m51s
